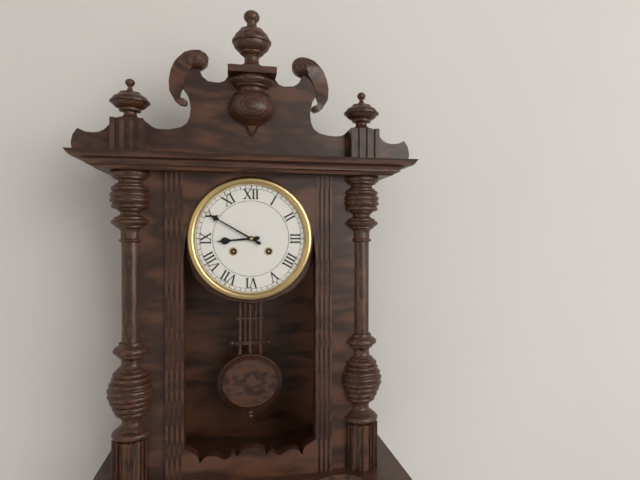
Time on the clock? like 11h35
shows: 8h50
